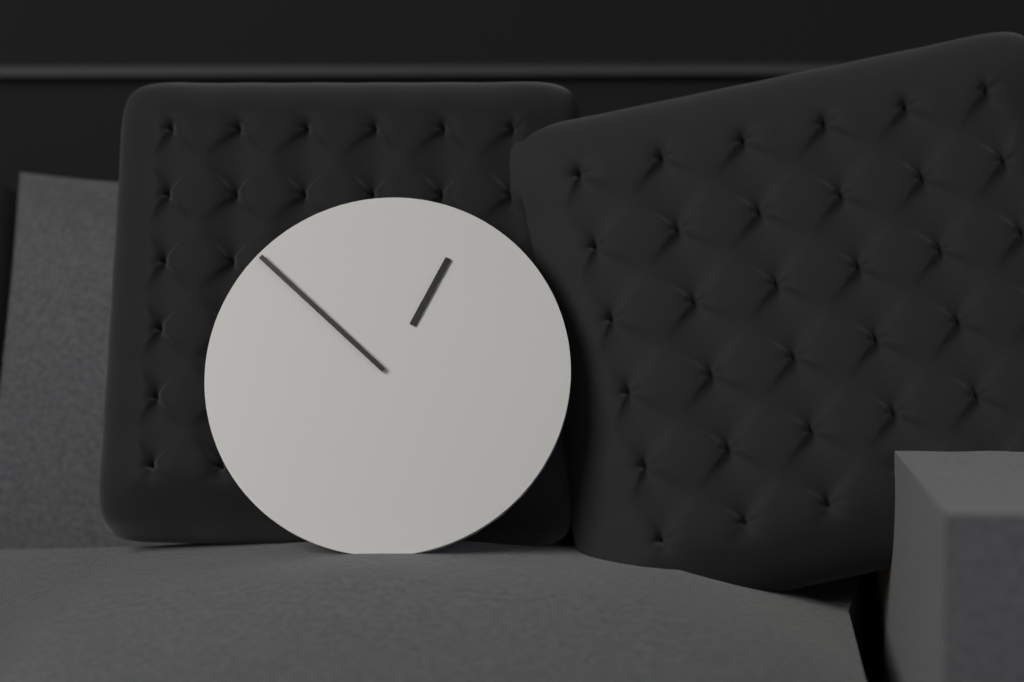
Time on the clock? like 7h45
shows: 12h52
